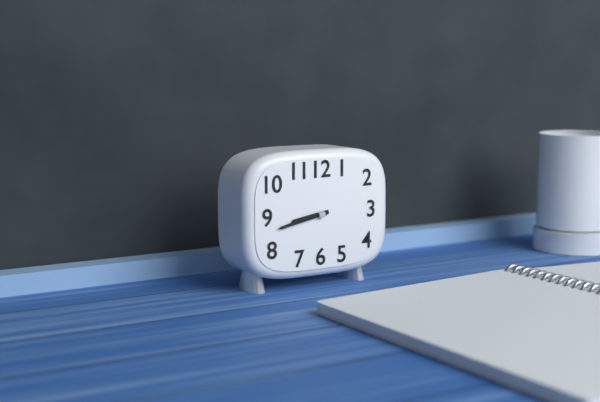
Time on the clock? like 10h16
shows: 8h43
